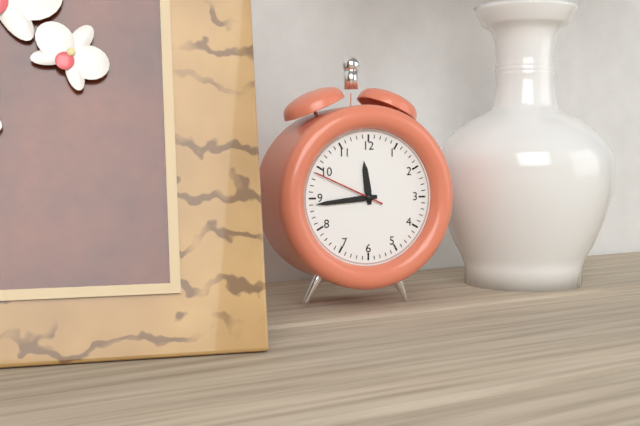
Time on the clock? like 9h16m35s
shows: 11h44m49s
